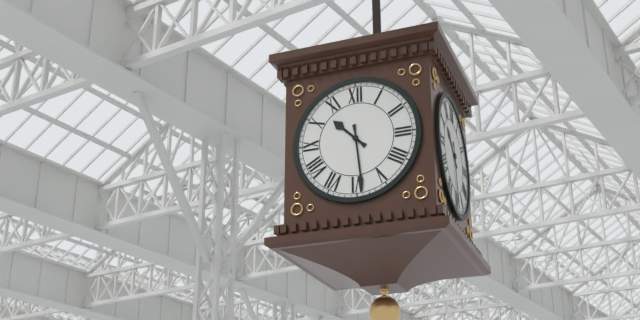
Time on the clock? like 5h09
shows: 10h29
